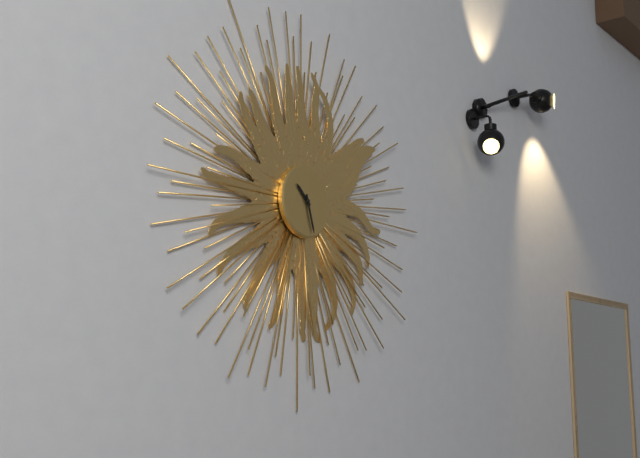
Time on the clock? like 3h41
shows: 10h27
